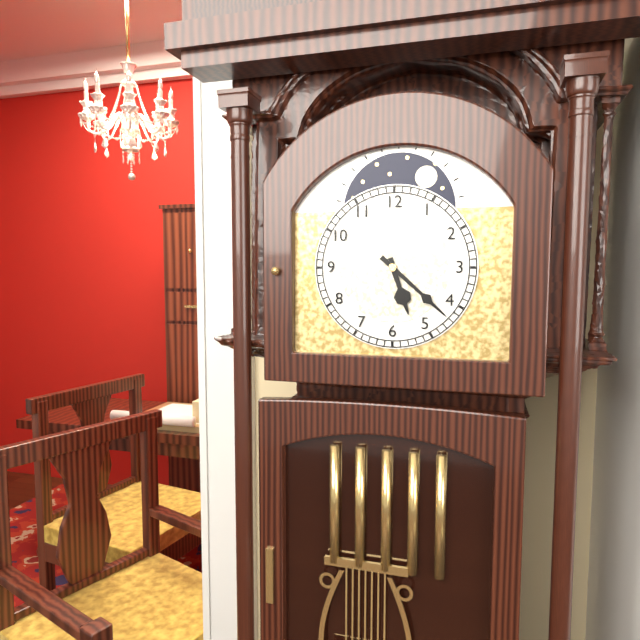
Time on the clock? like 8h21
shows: 5h22
